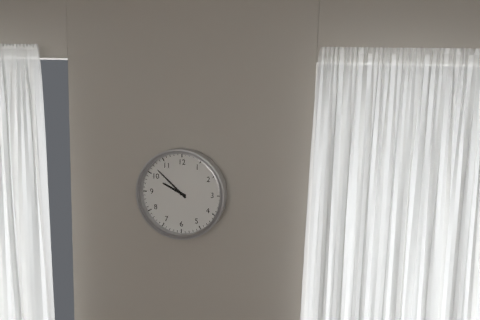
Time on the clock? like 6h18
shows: 9h52
